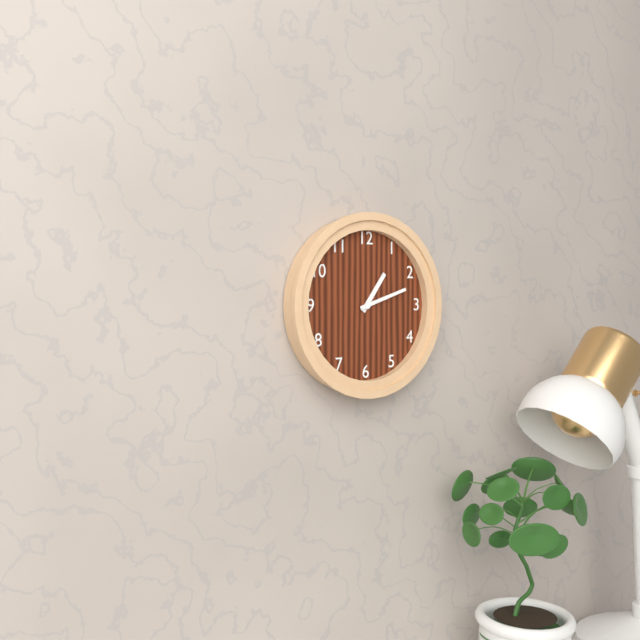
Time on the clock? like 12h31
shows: 1h12
